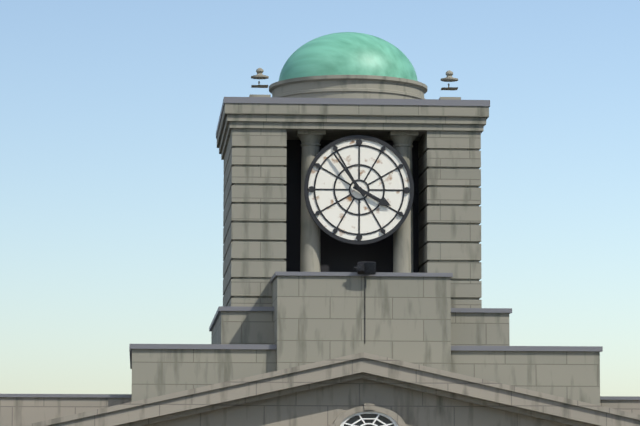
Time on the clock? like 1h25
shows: 3h54
